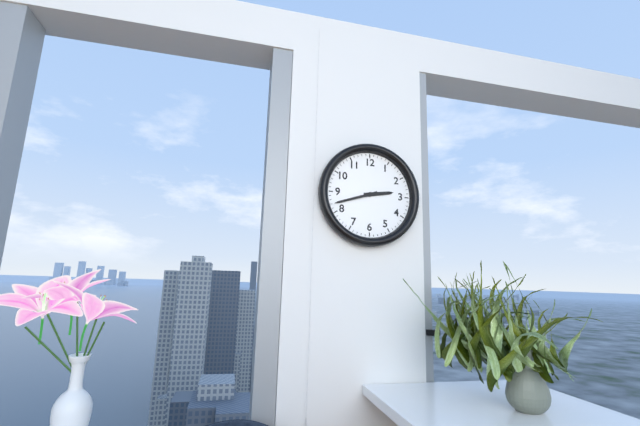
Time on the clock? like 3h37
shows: 2h42
